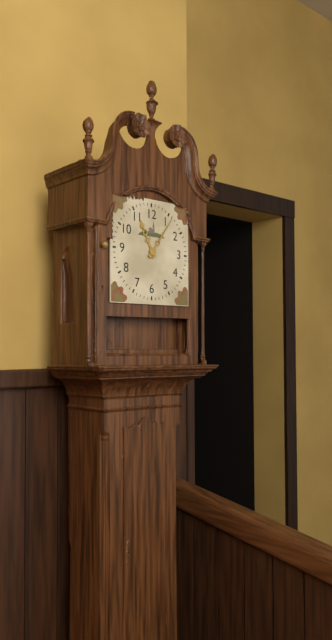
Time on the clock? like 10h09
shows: 11h06
